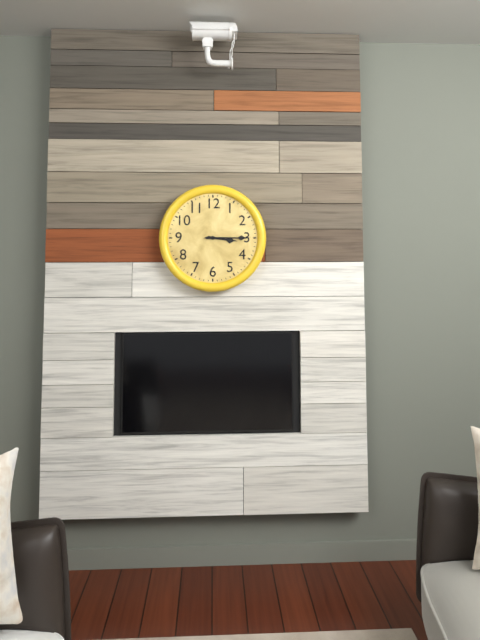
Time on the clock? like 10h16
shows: 3h15
